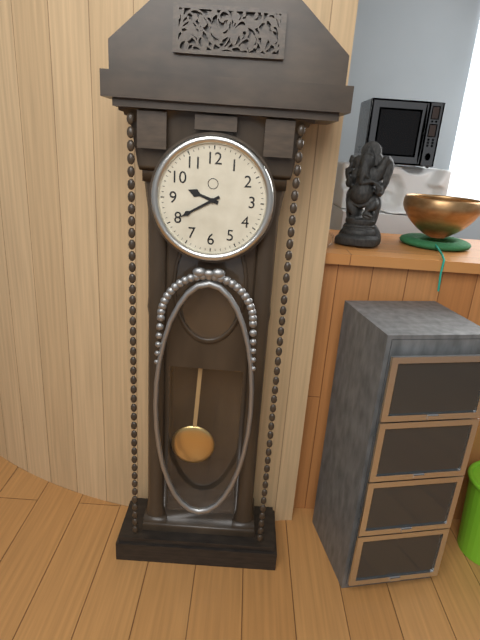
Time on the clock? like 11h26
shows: 9h40
